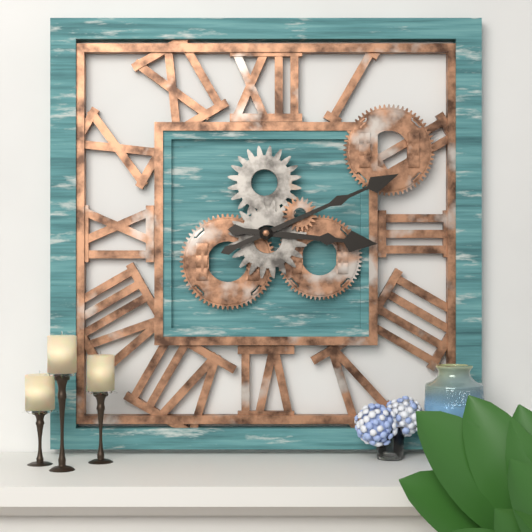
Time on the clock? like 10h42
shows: 3h11
